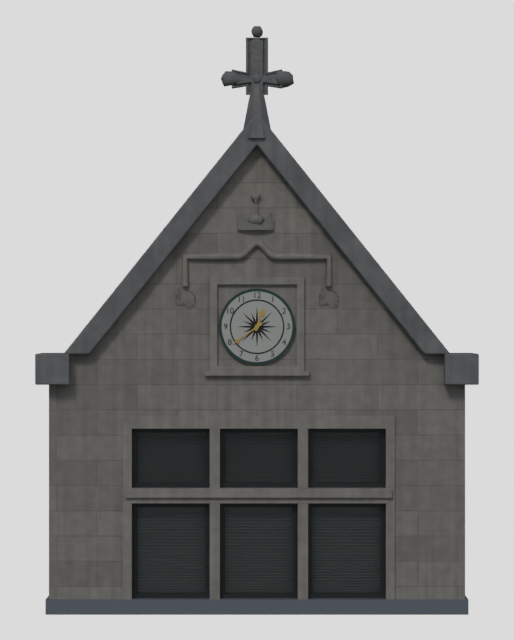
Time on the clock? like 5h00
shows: 12h39
